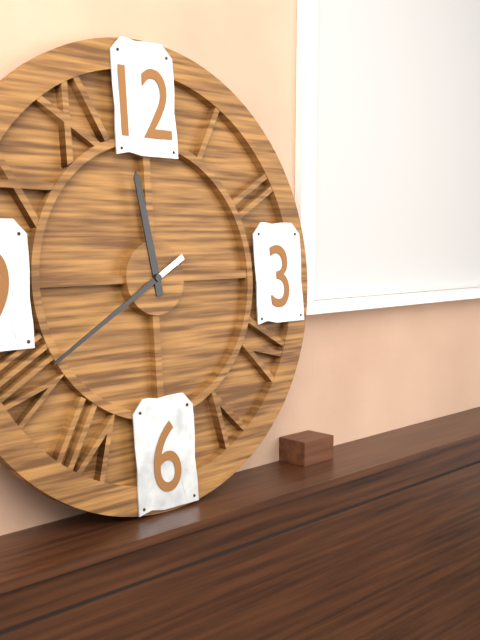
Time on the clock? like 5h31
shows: 11h40
